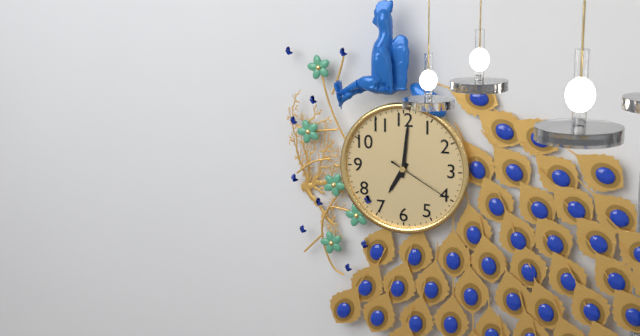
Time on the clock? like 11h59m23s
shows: 7h01m20s
